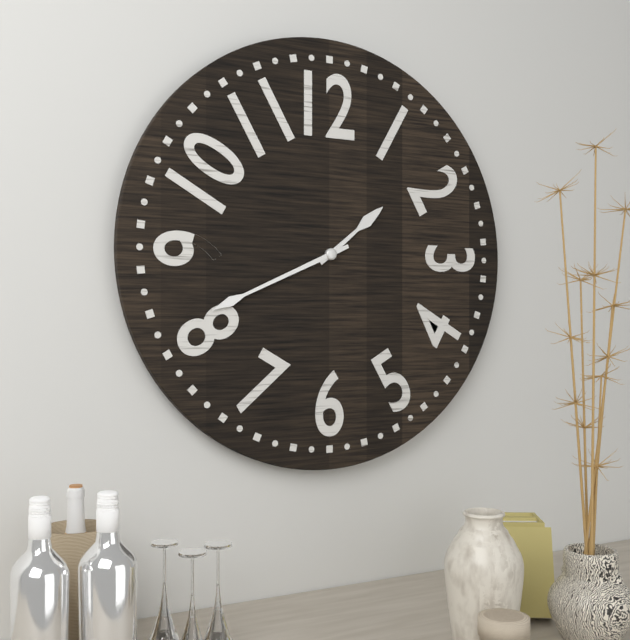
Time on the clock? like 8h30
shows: 1h41
